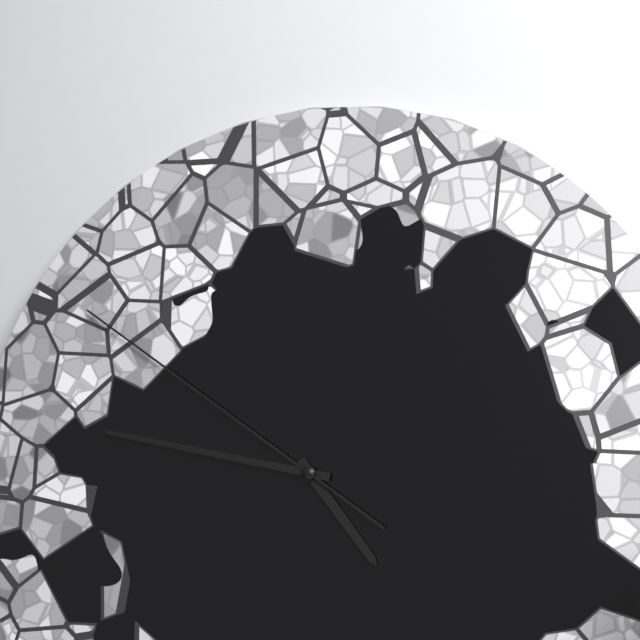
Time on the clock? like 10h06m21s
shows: 4h47m51s
